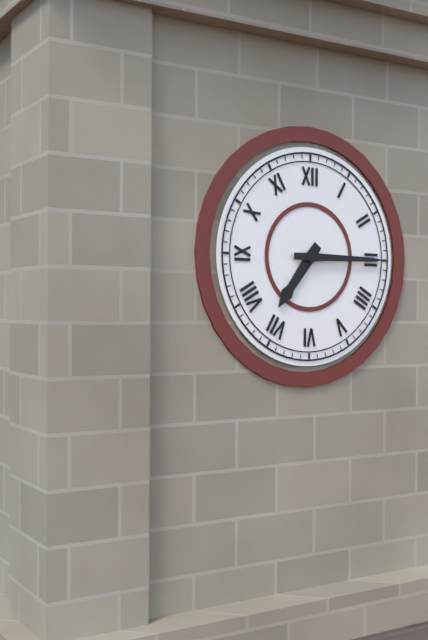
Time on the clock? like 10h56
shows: 7h15
